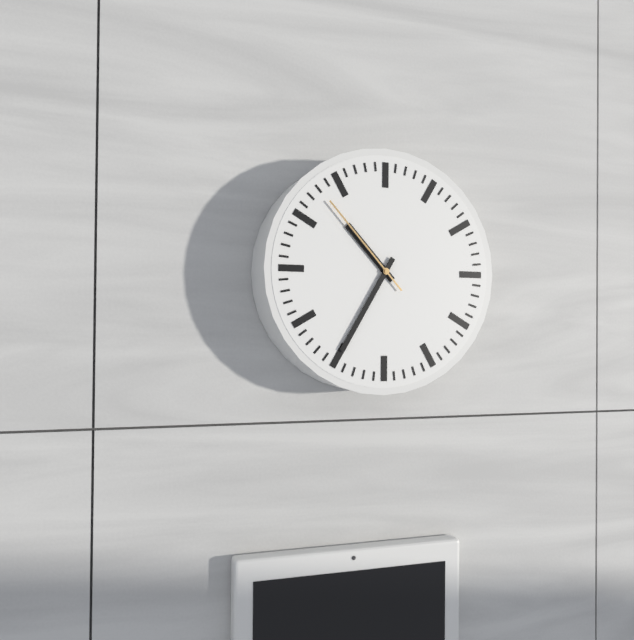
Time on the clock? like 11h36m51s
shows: 10h35m53s
